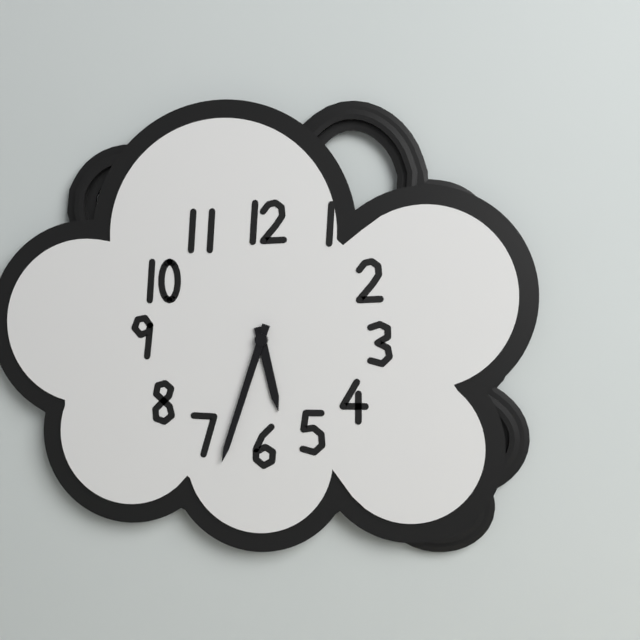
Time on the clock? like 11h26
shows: 5h33
